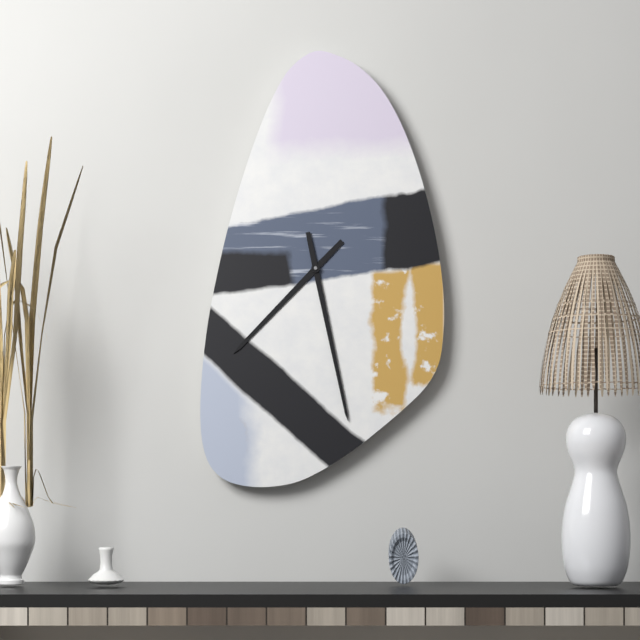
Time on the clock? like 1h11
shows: 7h28
